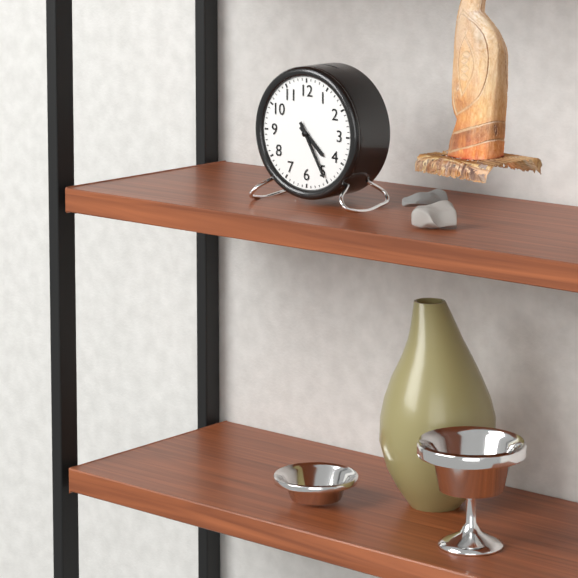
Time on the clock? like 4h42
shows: 4h25
